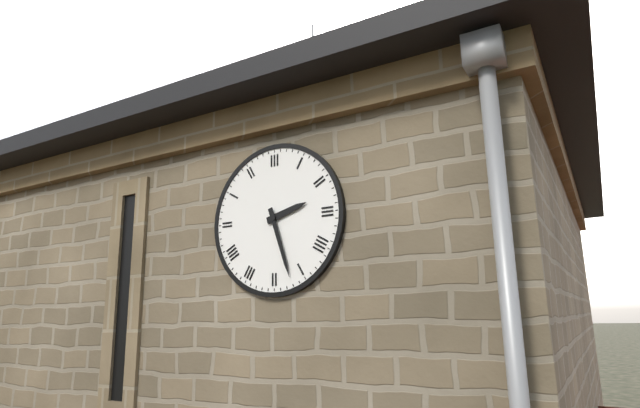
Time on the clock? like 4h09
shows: 2h27
